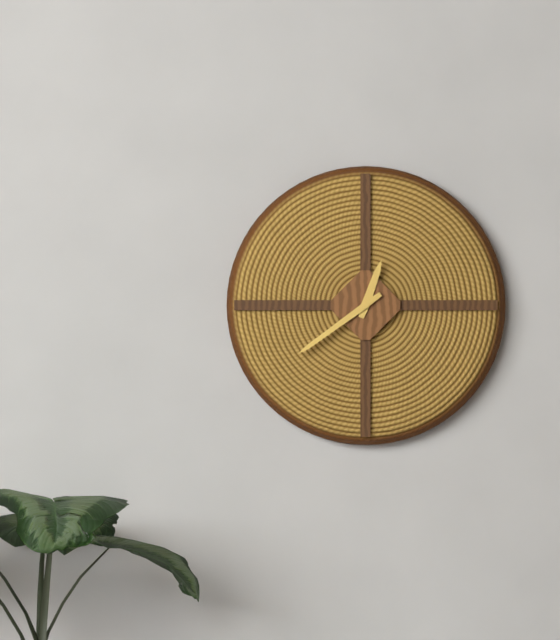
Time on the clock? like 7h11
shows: 12h39
